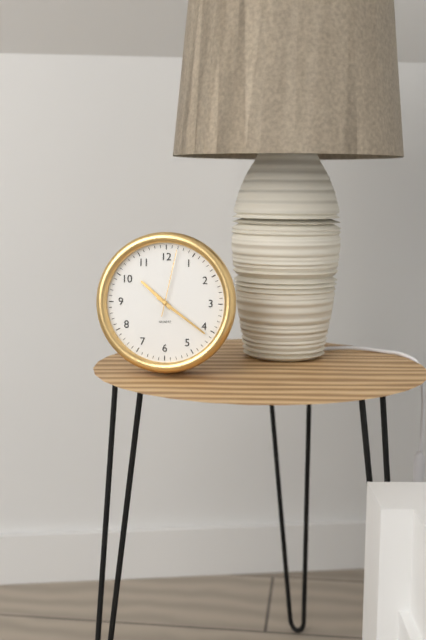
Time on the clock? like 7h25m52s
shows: 10h21m02s
